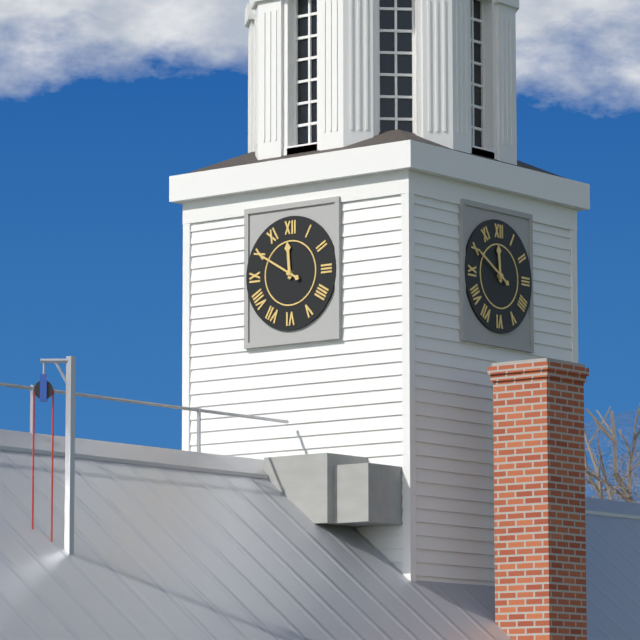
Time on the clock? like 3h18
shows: 11h50
